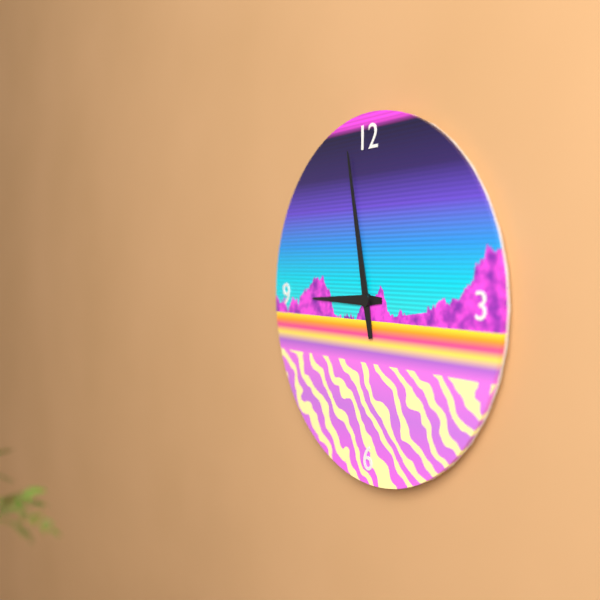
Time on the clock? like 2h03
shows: 8h58
